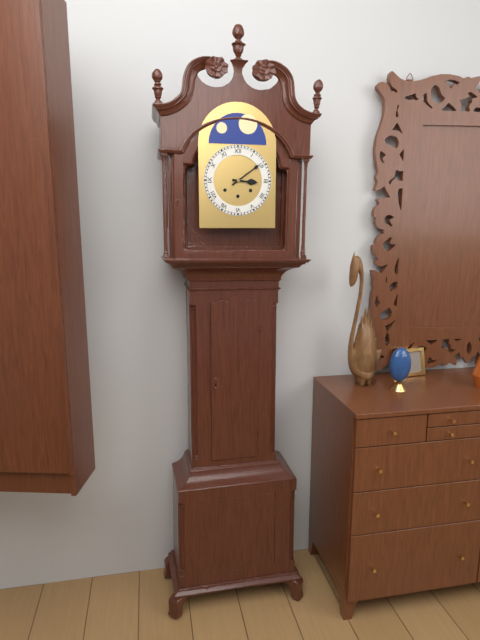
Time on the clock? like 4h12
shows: 3h09
